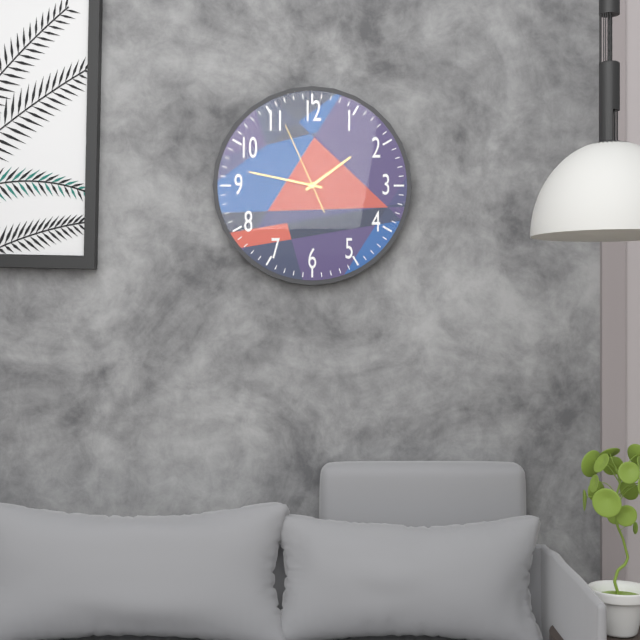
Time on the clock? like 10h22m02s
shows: 1h47m56s
